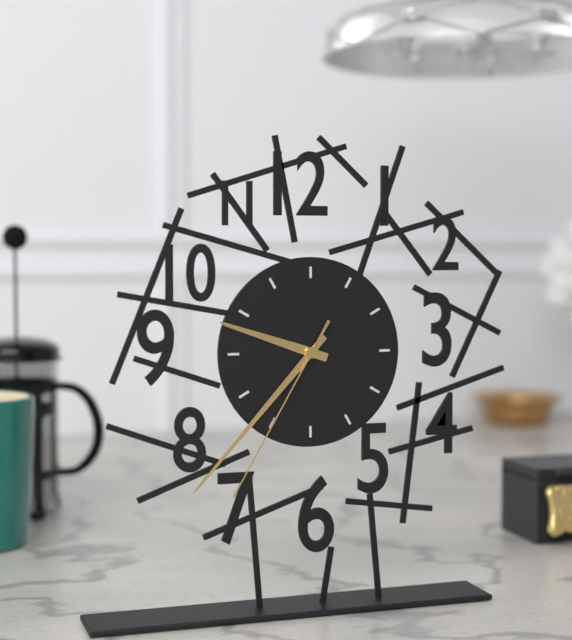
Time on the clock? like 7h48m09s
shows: 9h37m35s
